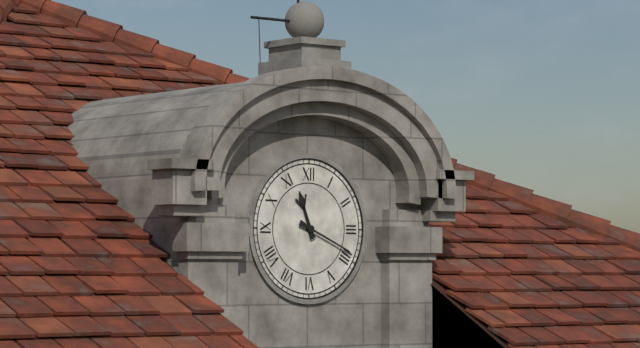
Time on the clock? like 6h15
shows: 11h19
